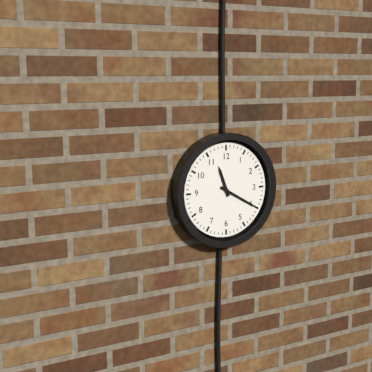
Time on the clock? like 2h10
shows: 11h20
